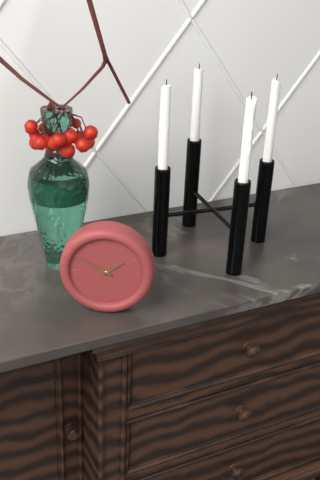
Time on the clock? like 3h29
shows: 1h50
